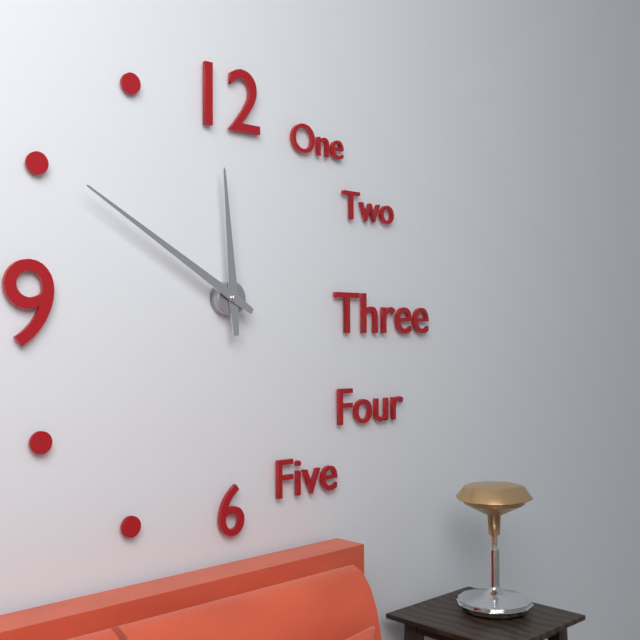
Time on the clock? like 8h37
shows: 11h50
